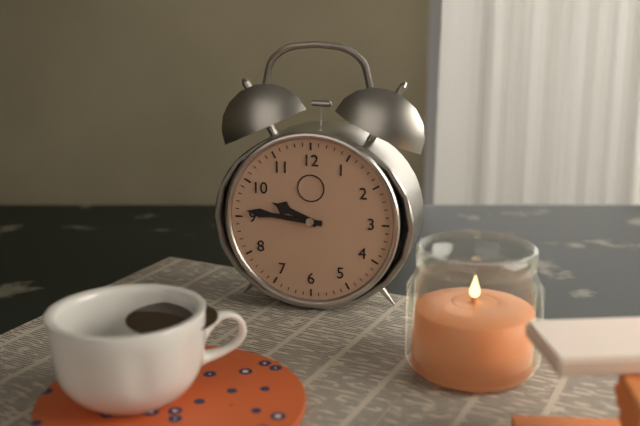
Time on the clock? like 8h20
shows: 9h46
